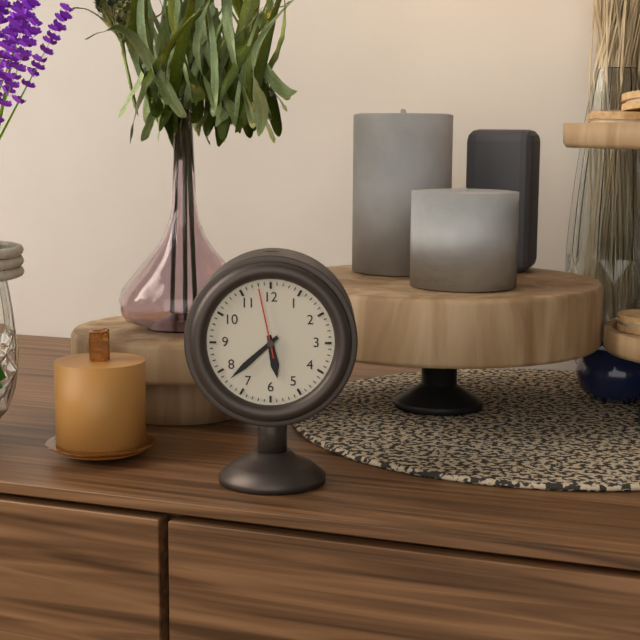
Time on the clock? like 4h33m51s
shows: 5h38m58s
